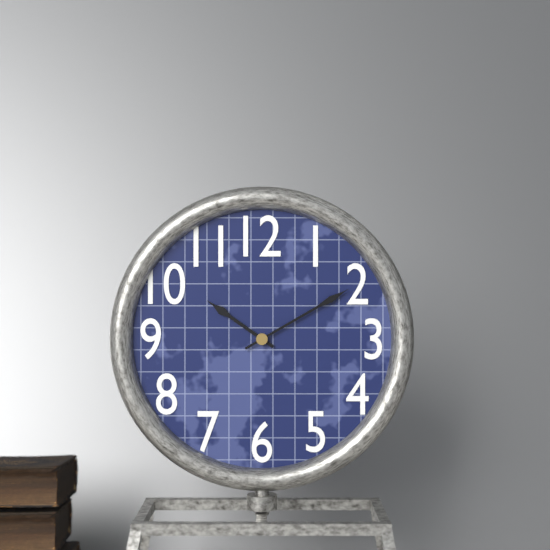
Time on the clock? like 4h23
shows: 10h10
